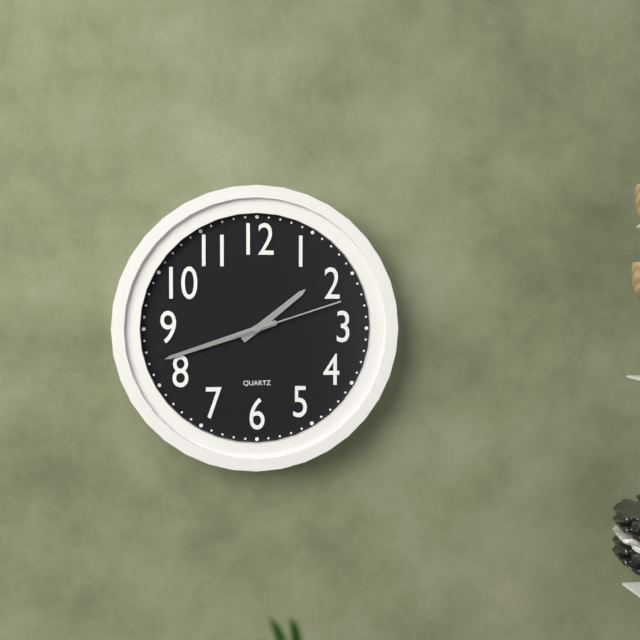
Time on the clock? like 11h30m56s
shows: 1h42m12s
